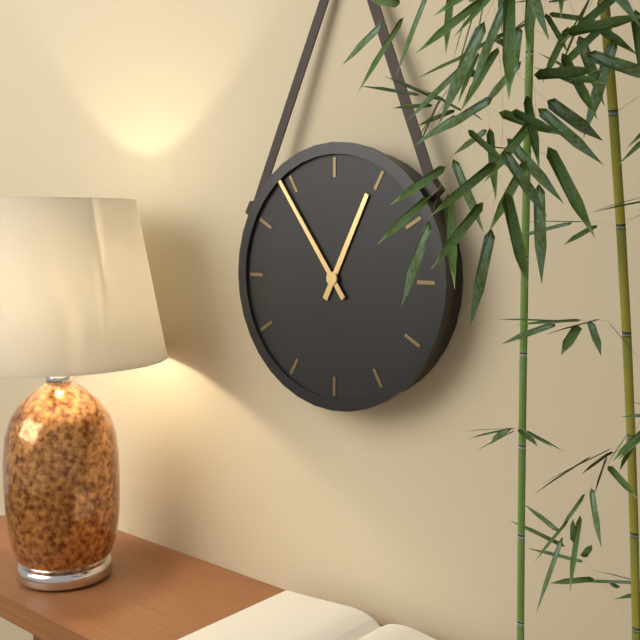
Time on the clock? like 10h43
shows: 12h54
